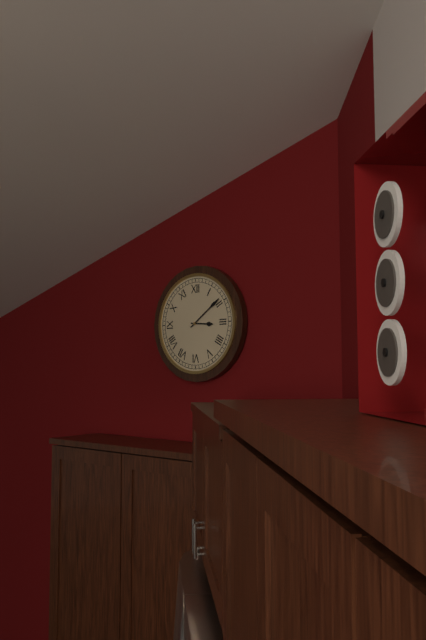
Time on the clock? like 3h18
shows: 3h09
